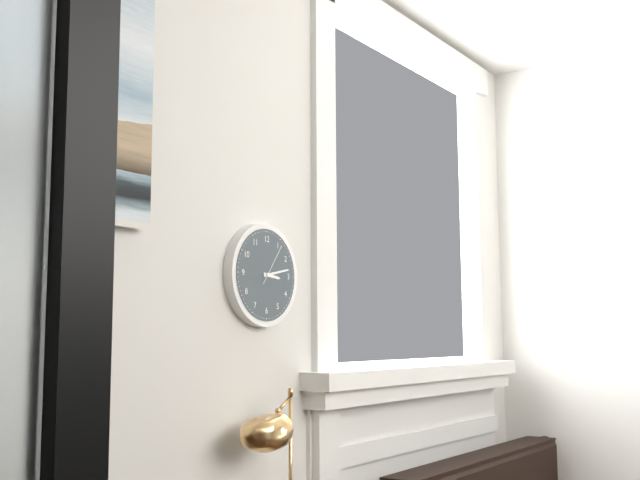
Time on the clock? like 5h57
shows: 3h13
